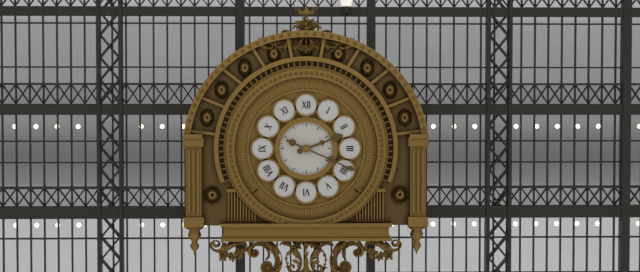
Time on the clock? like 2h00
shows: 2h19
